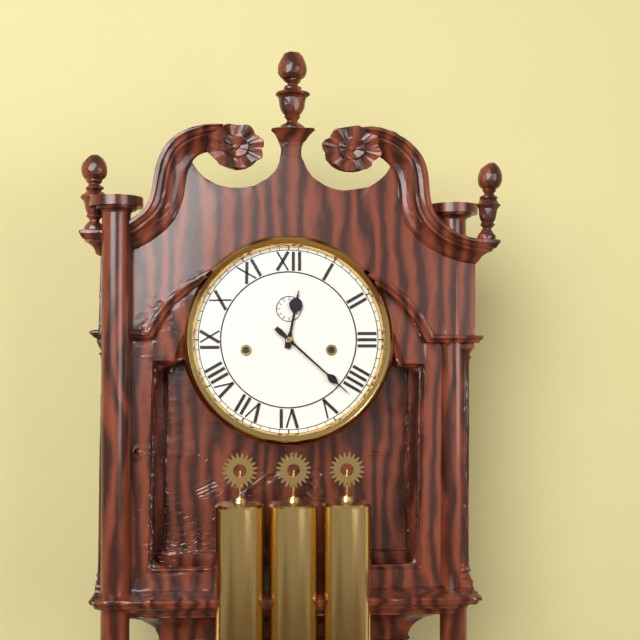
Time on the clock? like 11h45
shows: 12h22
